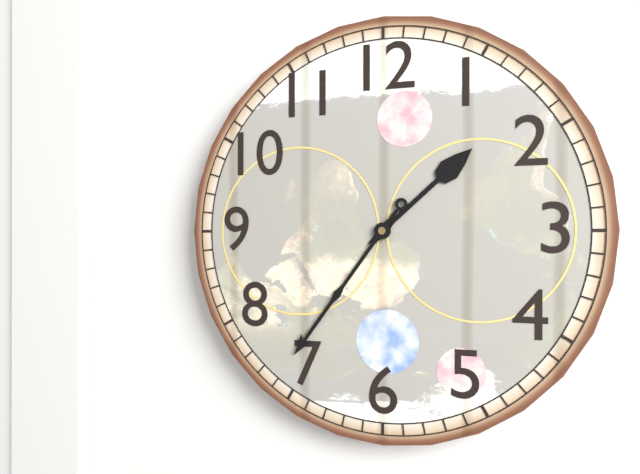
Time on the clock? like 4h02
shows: 1h36
